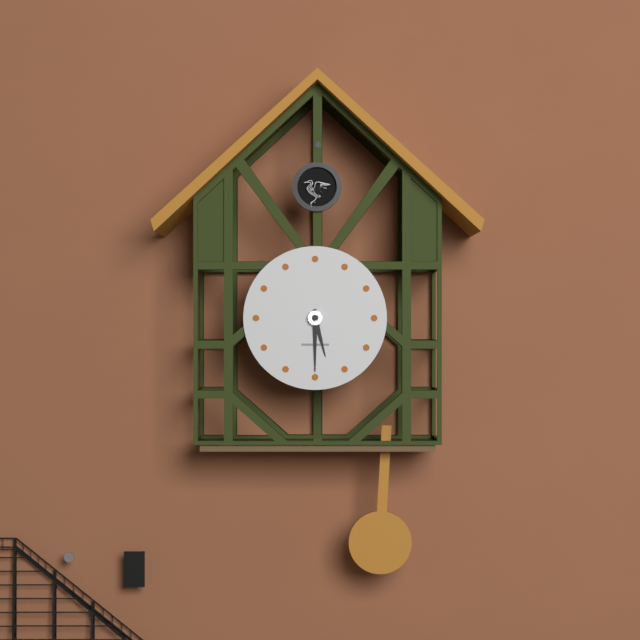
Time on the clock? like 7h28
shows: 5h30
